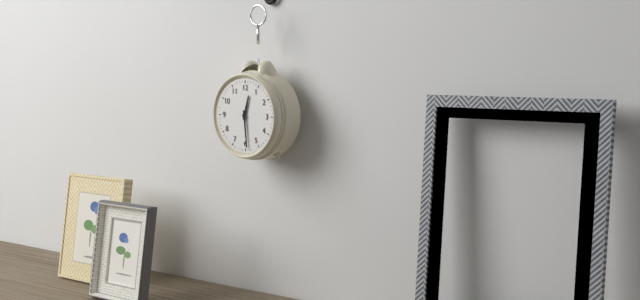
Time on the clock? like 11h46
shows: 12h29
